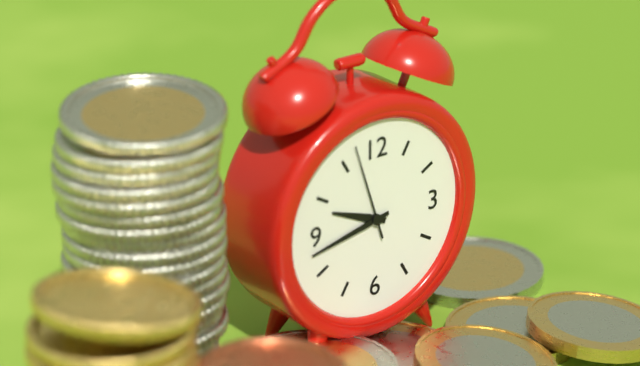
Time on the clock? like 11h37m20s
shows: 9h43m57s
